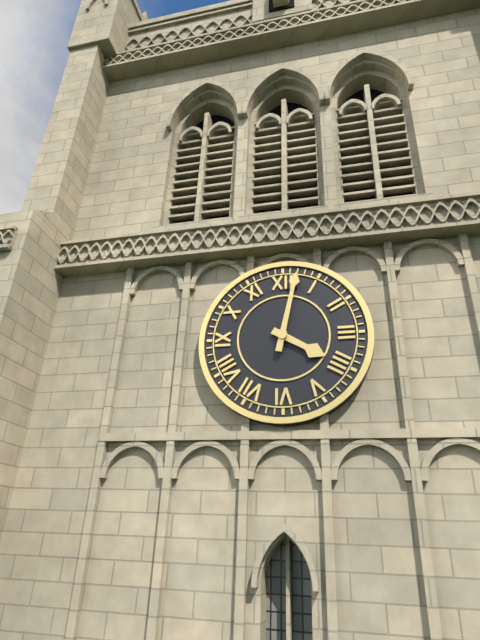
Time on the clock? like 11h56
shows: 4h02
